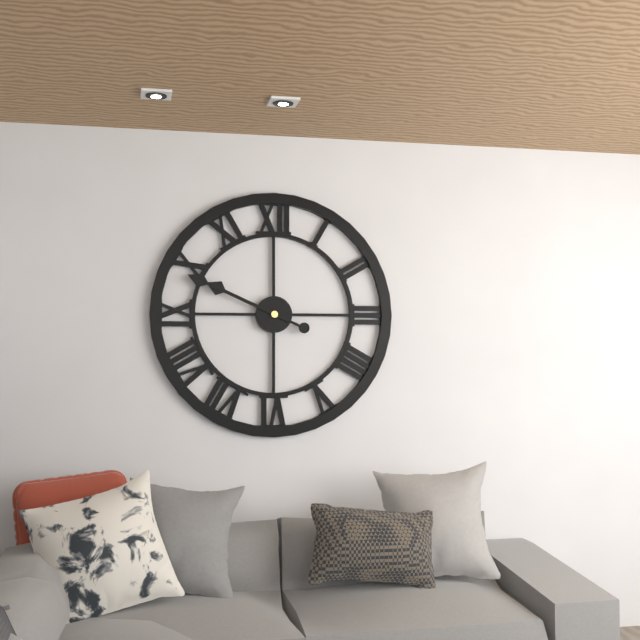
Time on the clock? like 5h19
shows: 9h49
